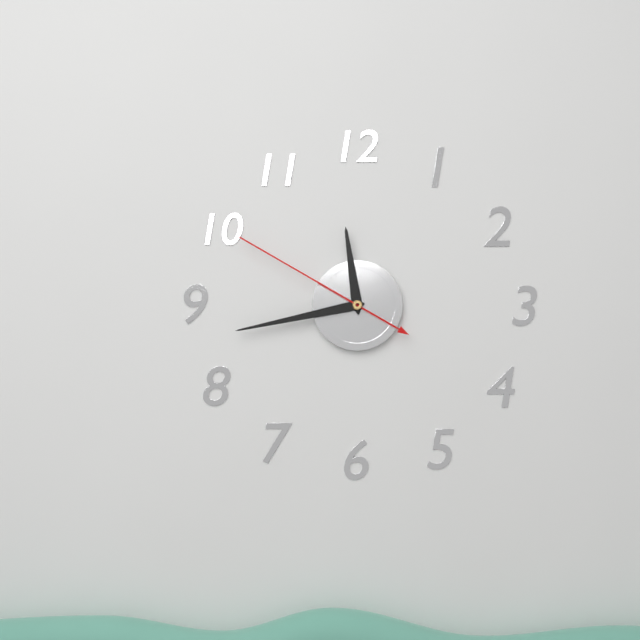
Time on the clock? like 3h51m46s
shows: 11h43m50s
